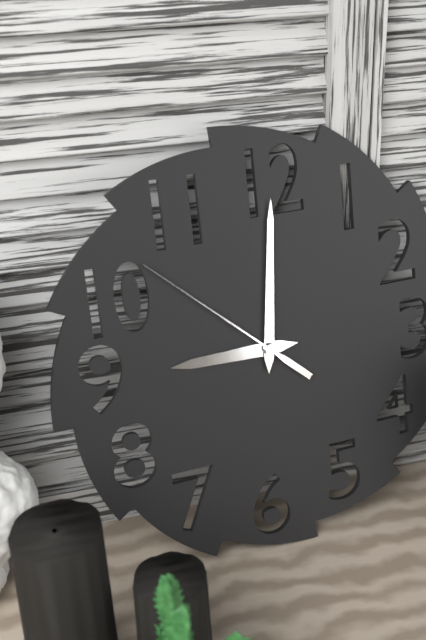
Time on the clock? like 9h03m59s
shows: 9h01m52s
